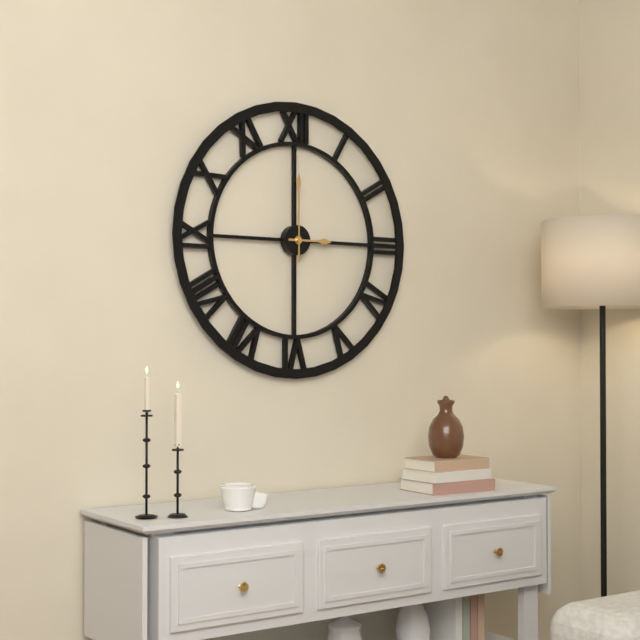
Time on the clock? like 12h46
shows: 3h00
